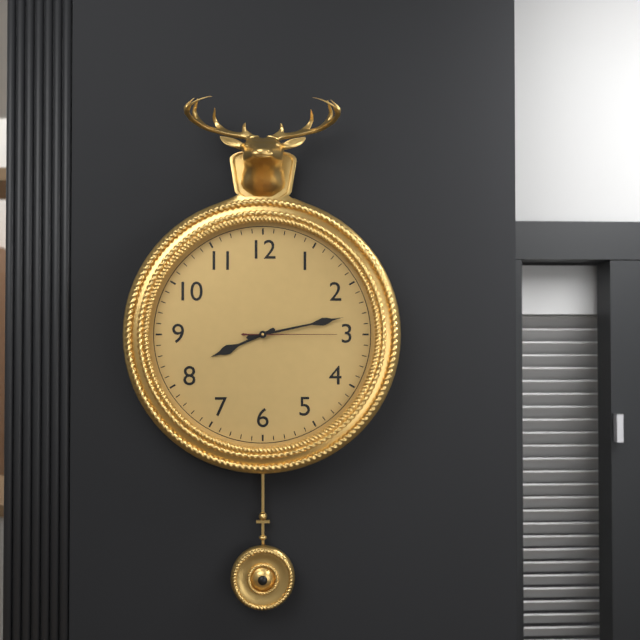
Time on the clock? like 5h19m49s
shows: 8h13m15s
